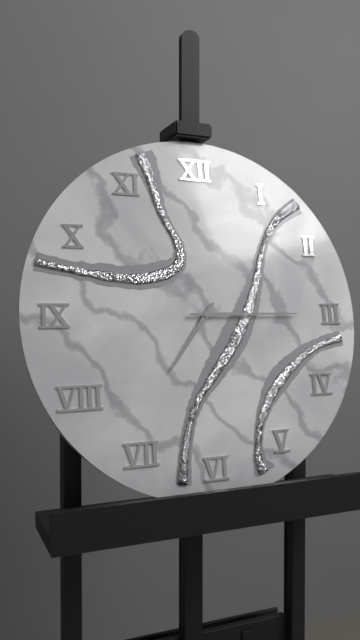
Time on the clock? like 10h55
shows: 7h15
